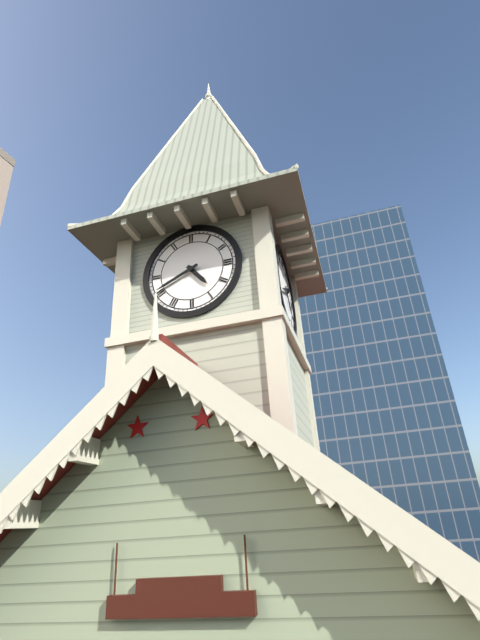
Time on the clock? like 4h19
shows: 4h41
